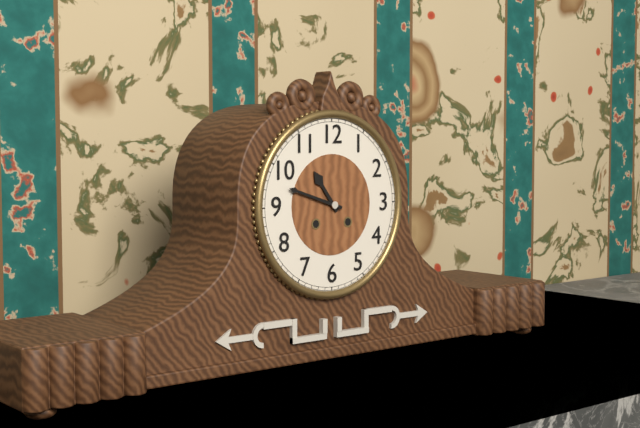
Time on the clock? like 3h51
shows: 10h48
